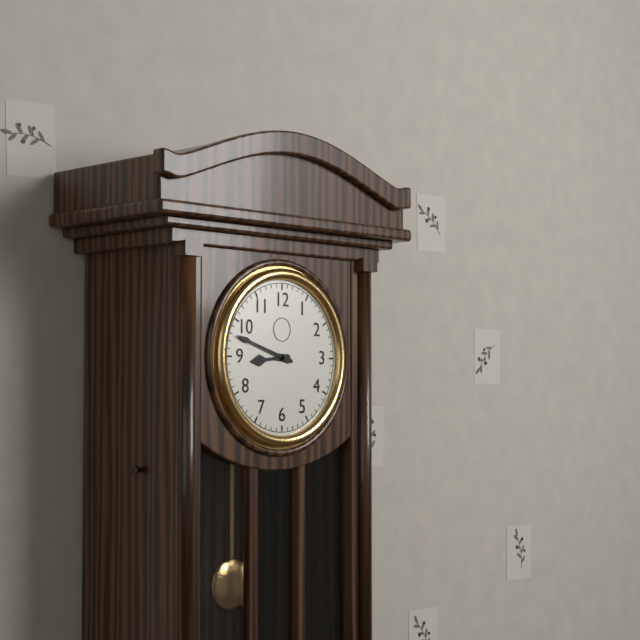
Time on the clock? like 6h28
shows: 8h48
